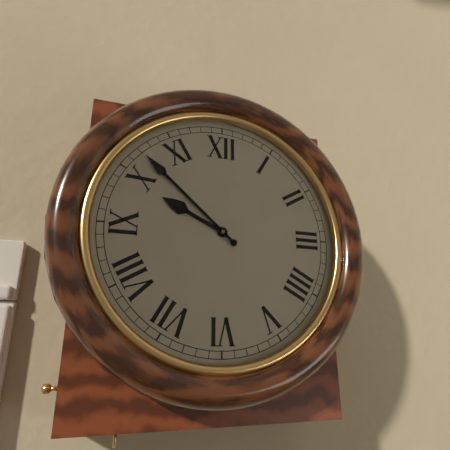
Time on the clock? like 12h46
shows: 9h52
